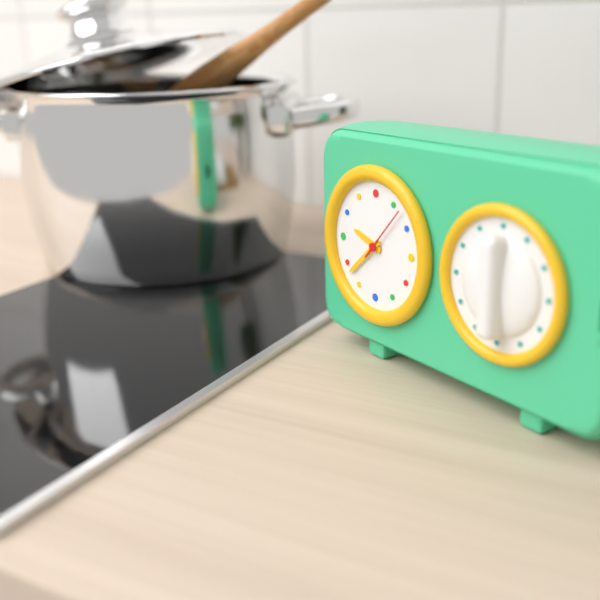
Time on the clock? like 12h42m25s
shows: 9h38m07s
